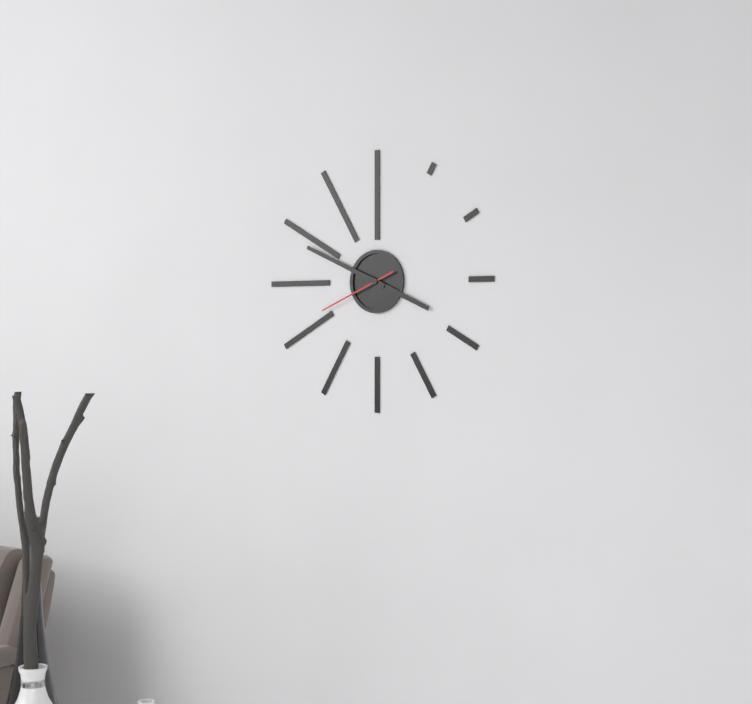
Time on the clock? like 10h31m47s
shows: 3h49m41s
